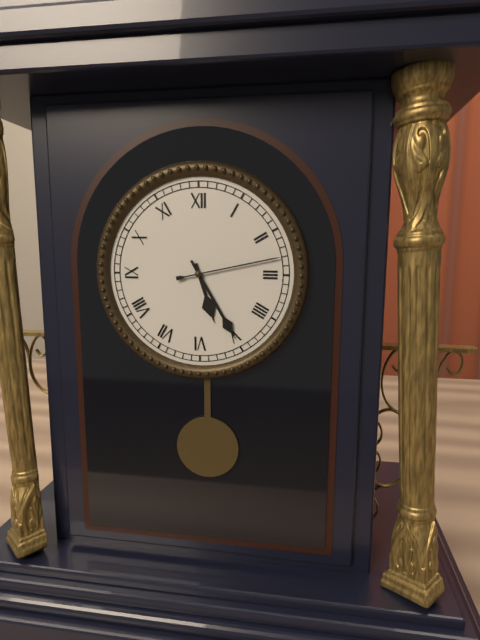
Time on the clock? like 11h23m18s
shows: 5h25m13s
